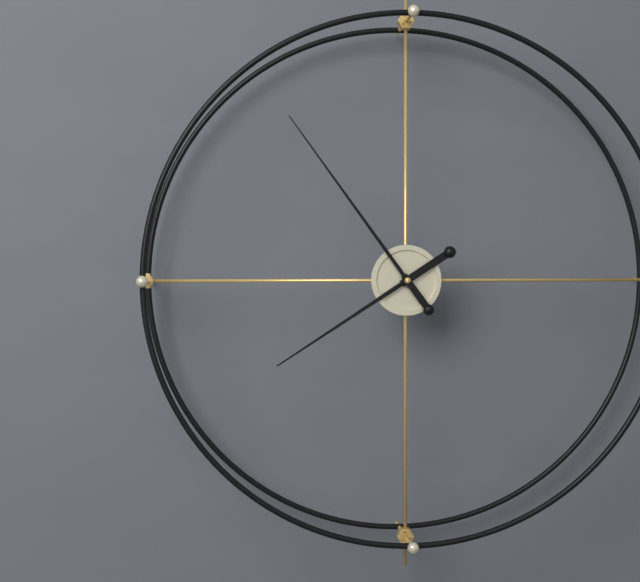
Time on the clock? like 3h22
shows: 7h54
